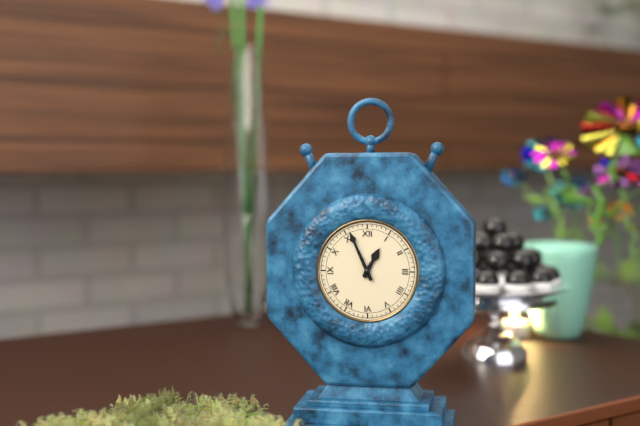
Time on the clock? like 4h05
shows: 12h56
